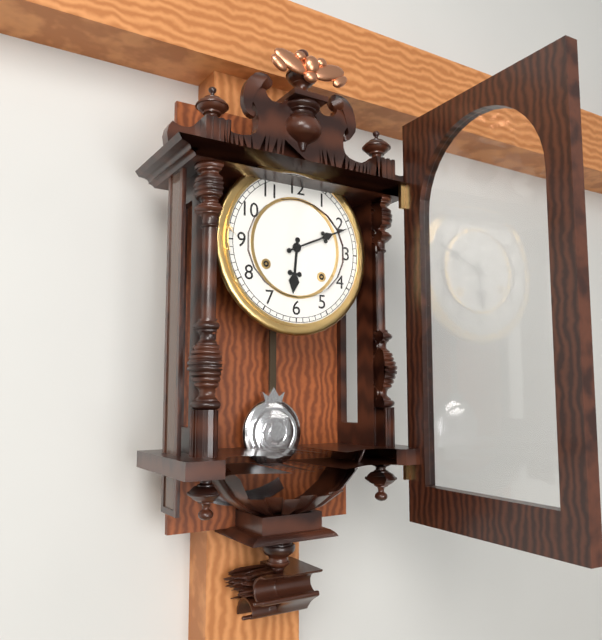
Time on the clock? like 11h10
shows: 6h11
